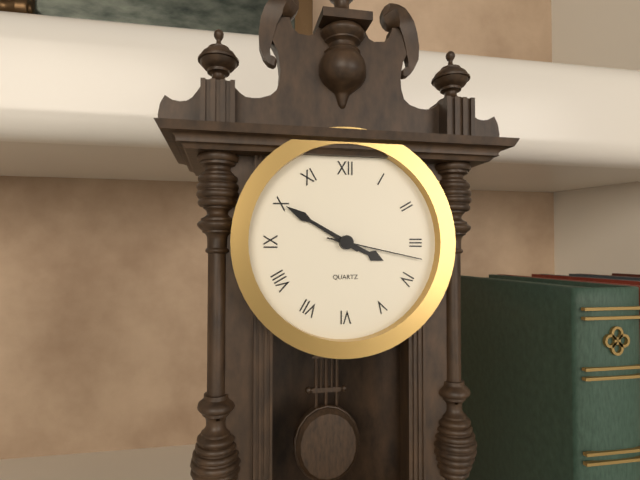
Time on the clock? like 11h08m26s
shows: 3h50m17s
